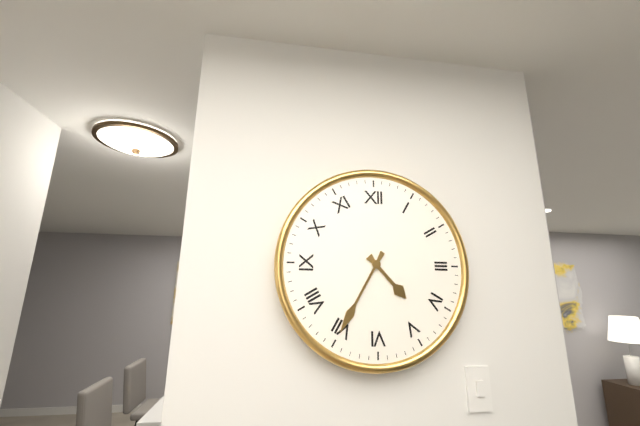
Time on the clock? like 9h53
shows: 4h35
